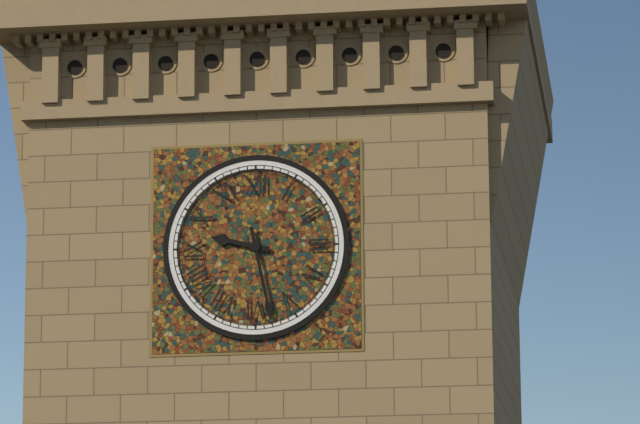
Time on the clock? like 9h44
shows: 9h28
